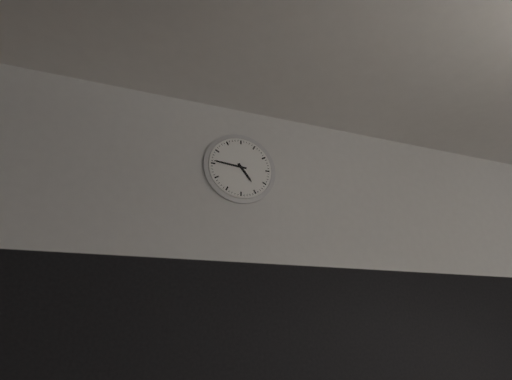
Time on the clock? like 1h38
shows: 4h46
